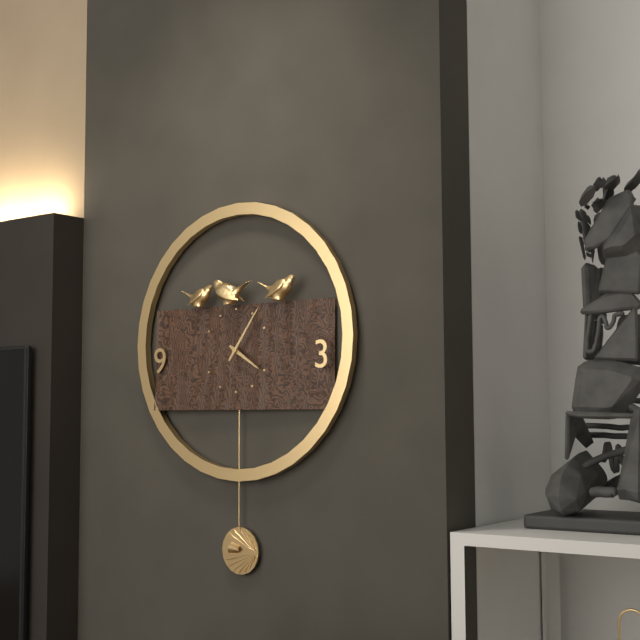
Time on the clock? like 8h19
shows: 4h06
